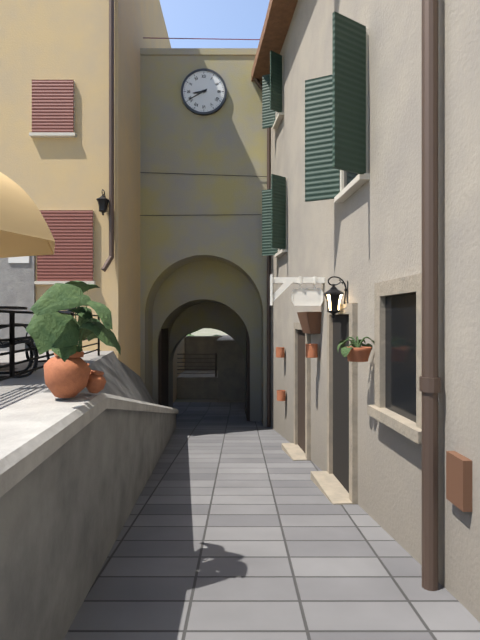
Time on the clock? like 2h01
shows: 8h40
